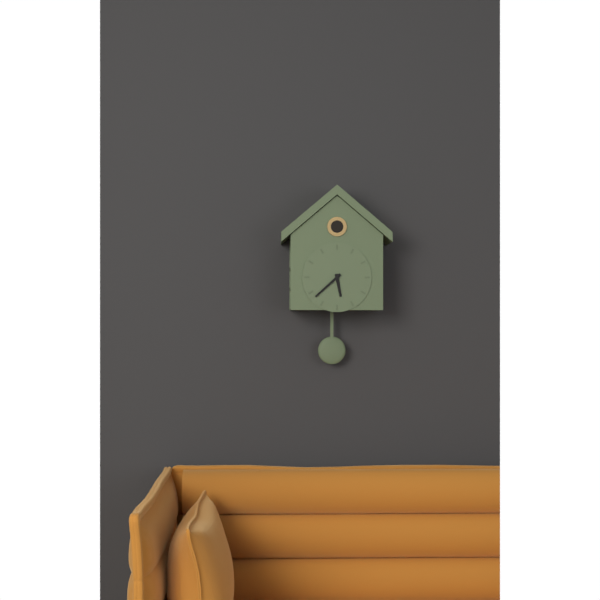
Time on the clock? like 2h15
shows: 5h38
